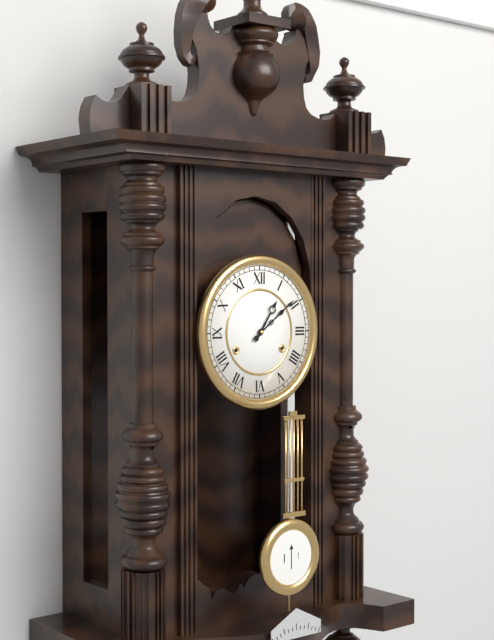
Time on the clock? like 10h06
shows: 1h09
